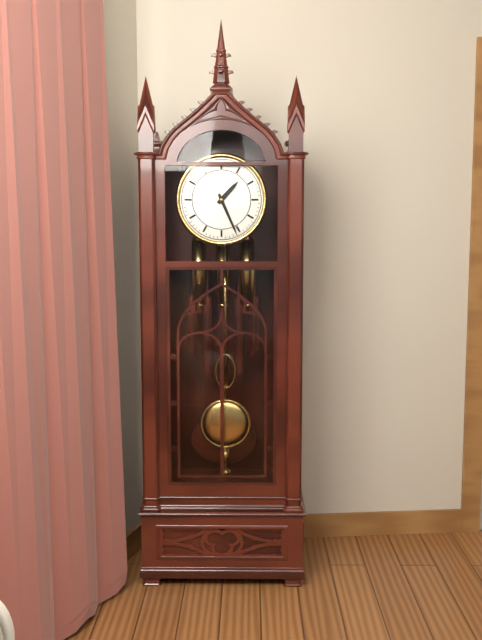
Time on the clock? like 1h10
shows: 1h26
